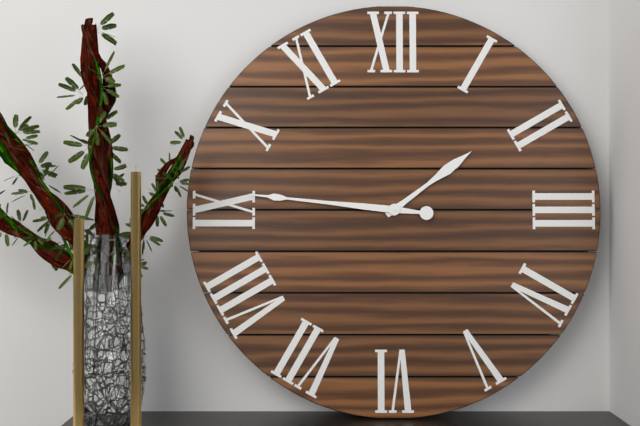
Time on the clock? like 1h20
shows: 1h46
